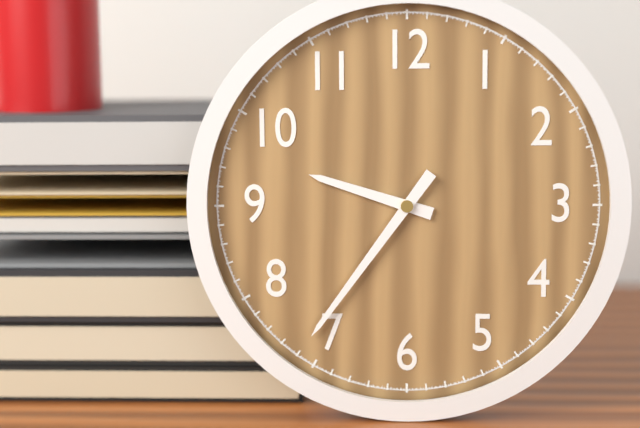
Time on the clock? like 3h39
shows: 9h36
